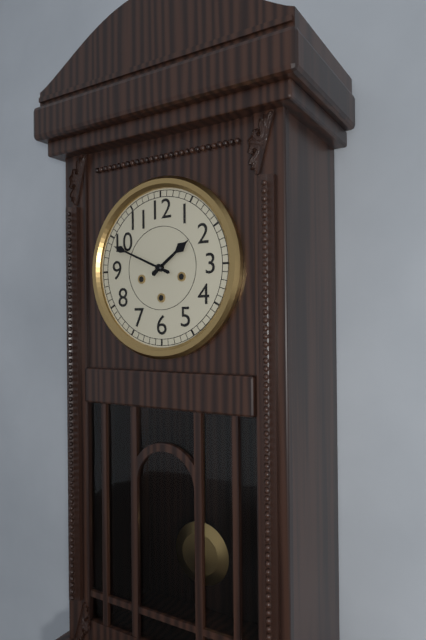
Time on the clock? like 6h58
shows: 1h49
